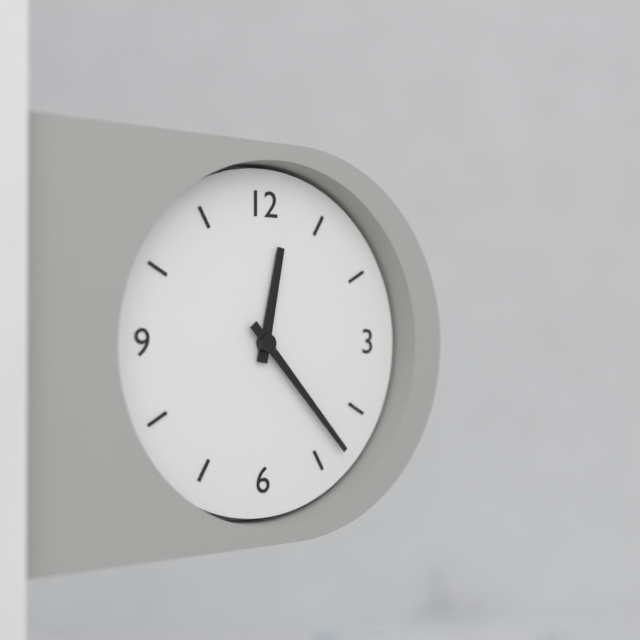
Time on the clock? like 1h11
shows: 12h23
